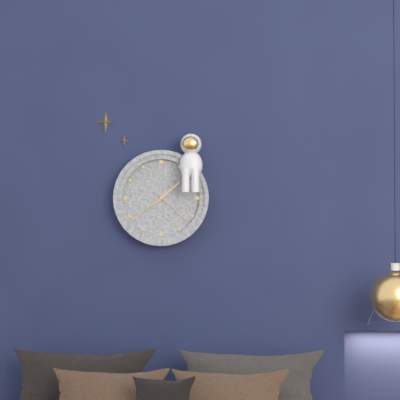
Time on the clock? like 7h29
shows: 1h39
